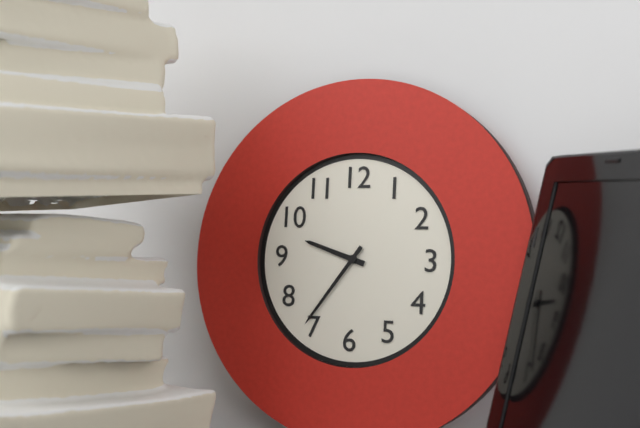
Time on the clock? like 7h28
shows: 9h36
